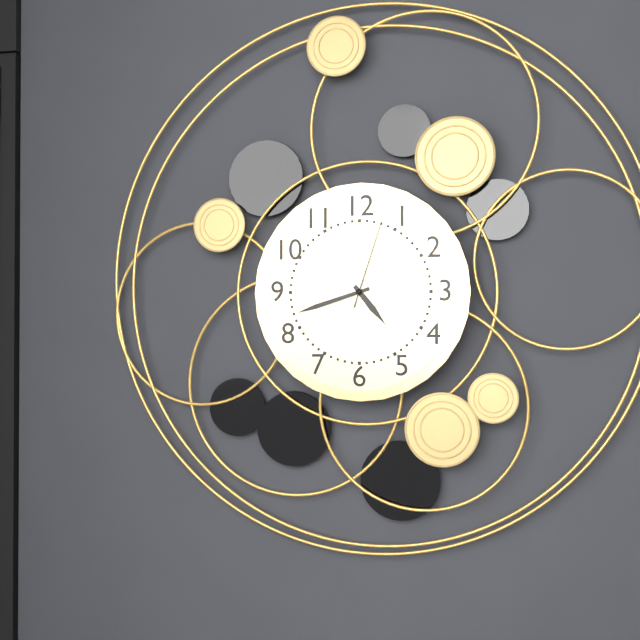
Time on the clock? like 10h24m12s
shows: 4h42m03s
